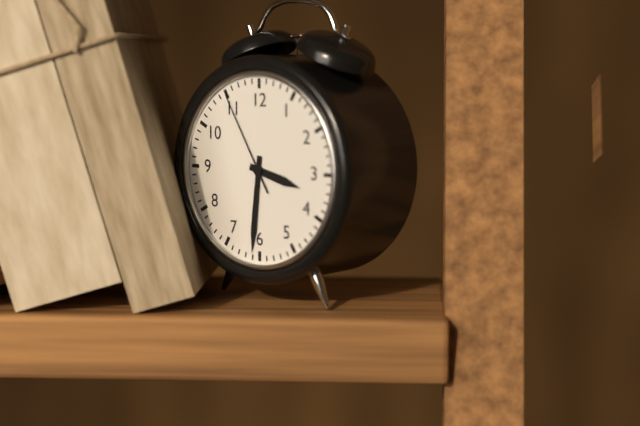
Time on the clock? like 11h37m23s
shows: 3h31m55s
